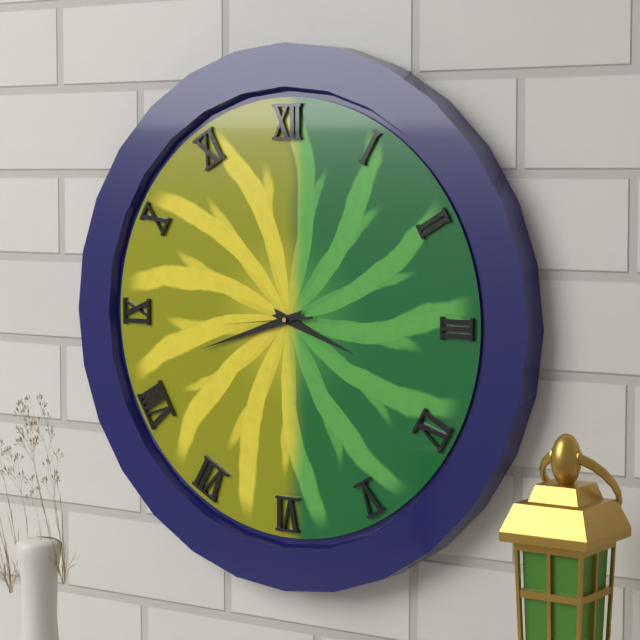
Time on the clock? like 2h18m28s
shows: 3h42m44s
